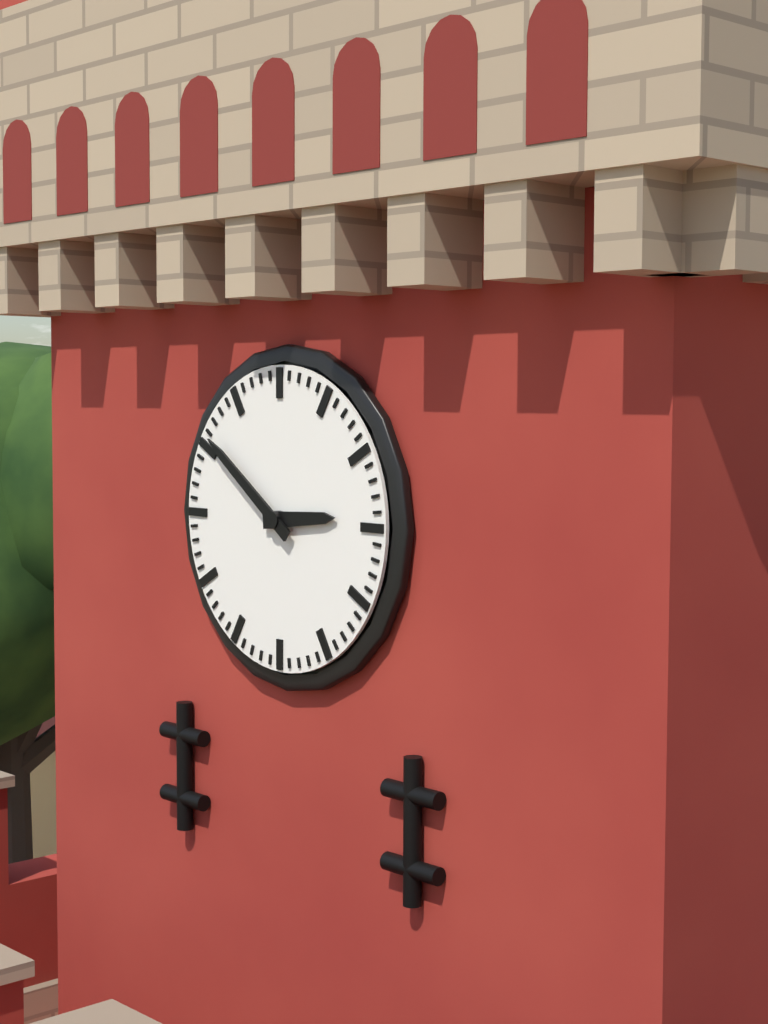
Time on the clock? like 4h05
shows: 2h51
